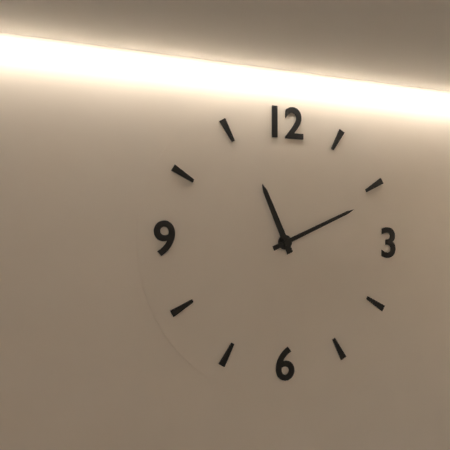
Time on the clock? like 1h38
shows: 11h11
